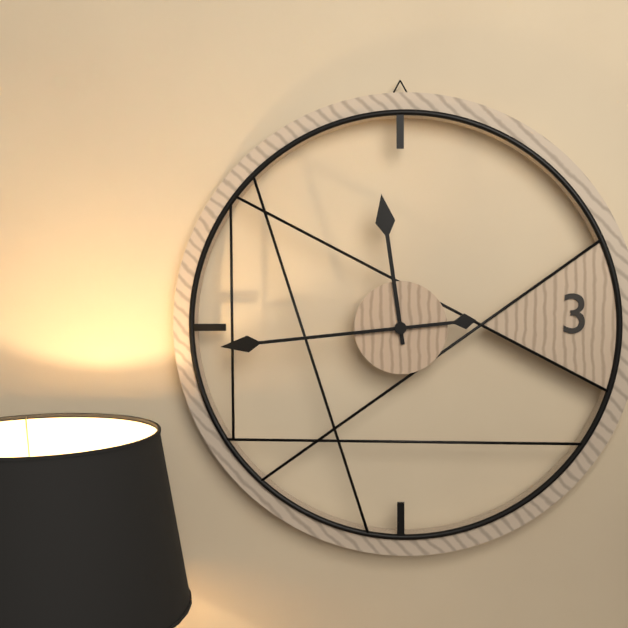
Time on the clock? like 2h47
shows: 11h44
